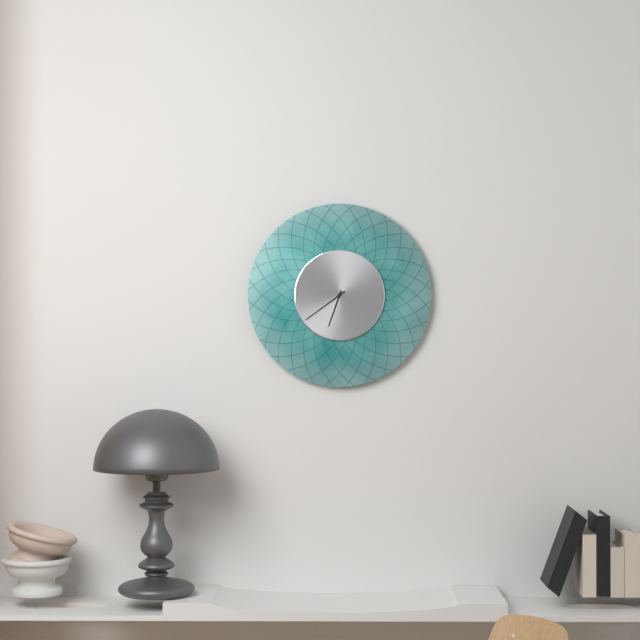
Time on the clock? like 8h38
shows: 6h39
